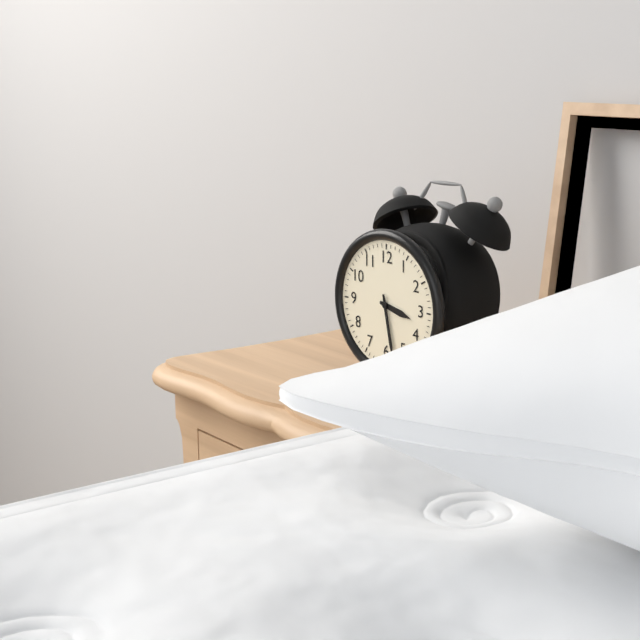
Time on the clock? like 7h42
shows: 3h28
